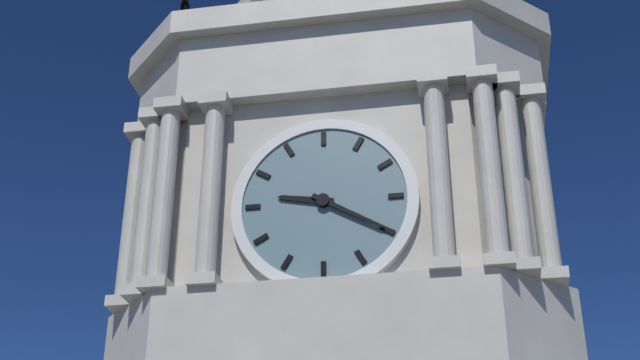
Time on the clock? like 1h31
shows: 9h20
